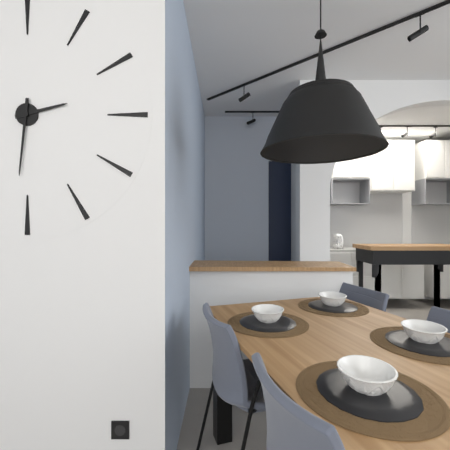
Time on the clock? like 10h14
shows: 2h31
